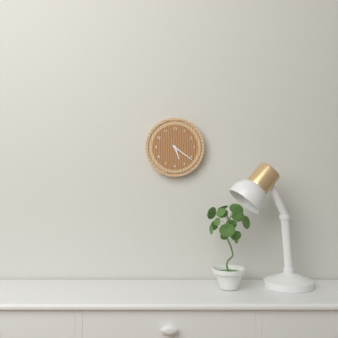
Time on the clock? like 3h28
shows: 5h21
